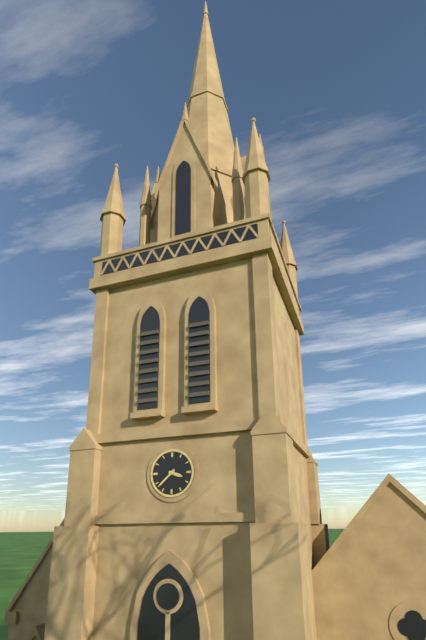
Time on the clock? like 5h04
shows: 3h38
